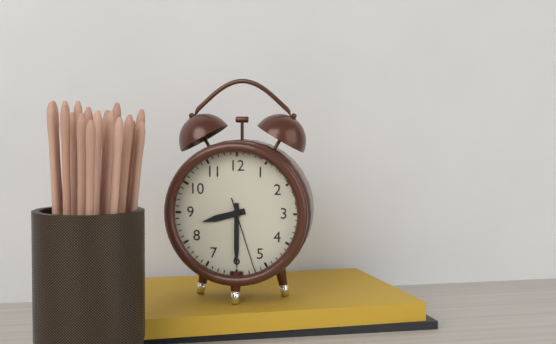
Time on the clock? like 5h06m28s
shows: 8h30m27s
